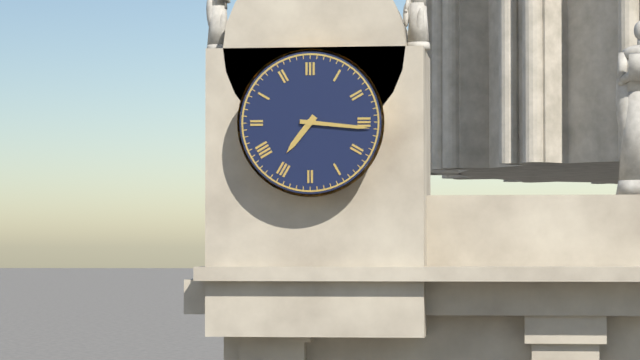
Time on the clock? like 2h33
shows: 7h16
